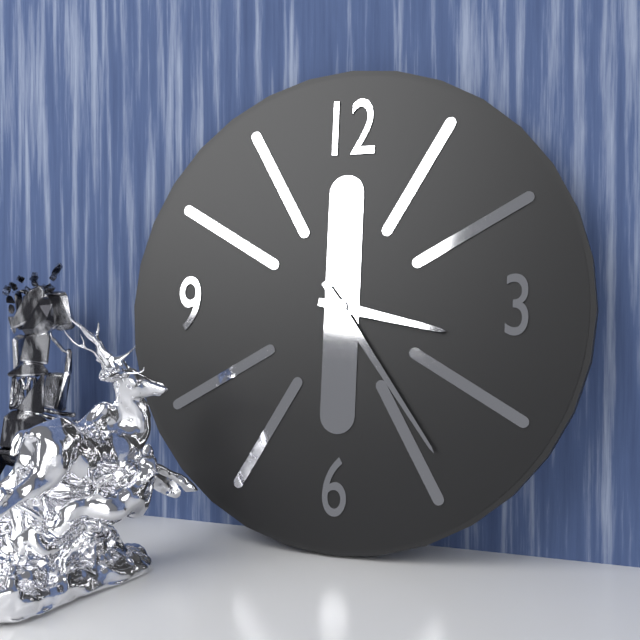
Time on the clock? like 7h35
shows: 3h24
